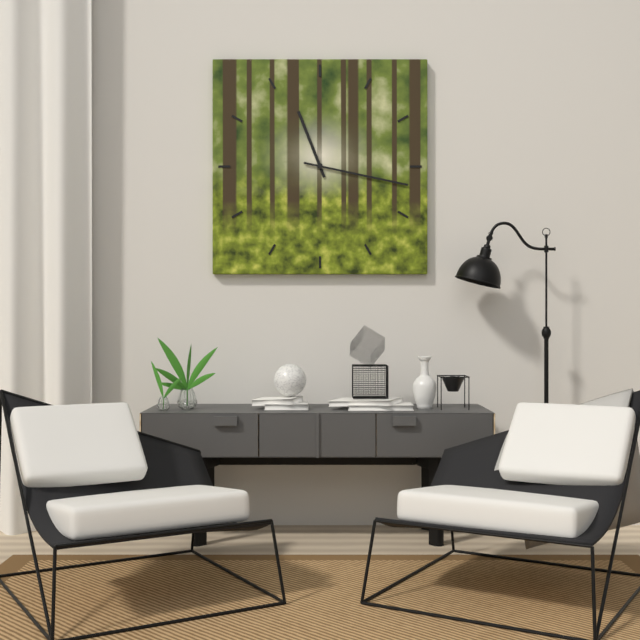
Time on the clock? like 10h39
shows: 11h17
